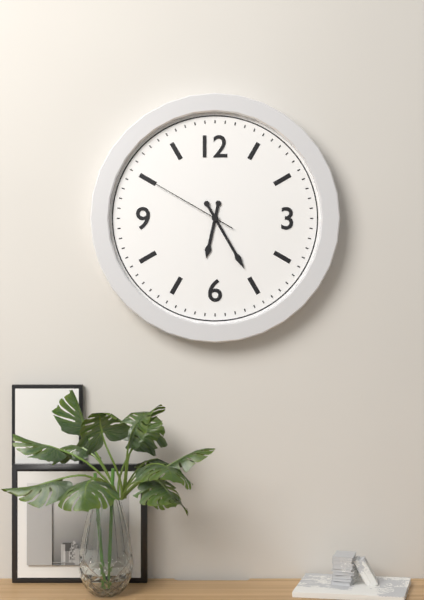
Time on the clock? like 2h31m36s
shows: 6h25m50s
